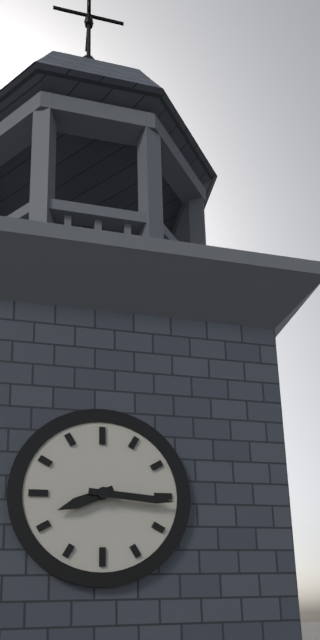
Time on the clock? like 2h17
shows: 8h16
